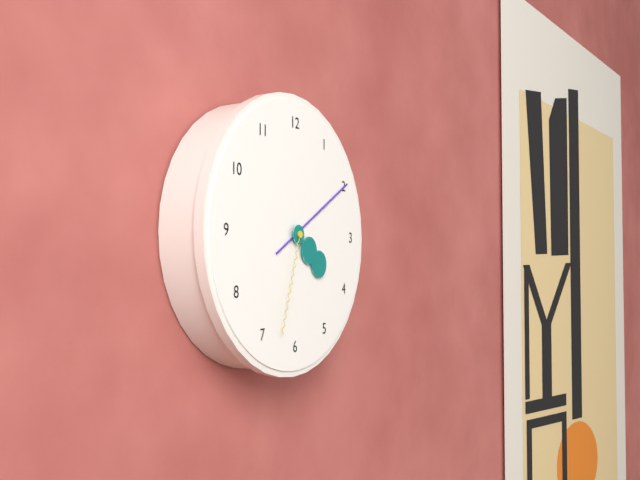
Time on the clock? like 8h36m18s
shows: 4h10m33s
